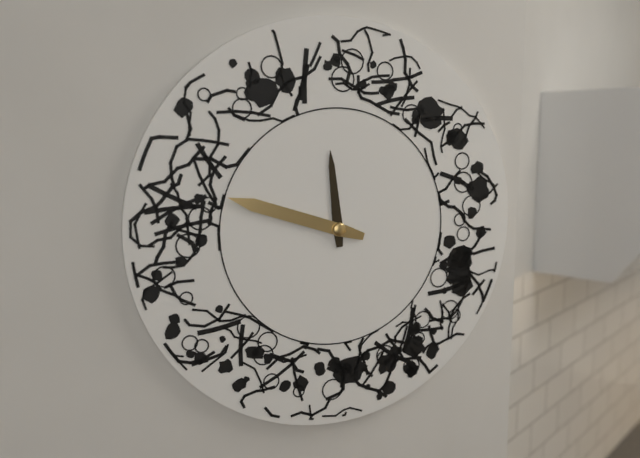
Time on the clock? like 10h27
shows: 11h48
